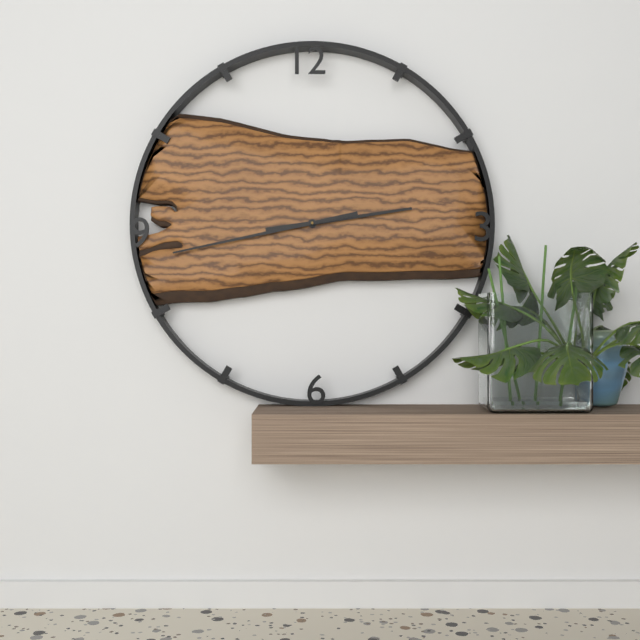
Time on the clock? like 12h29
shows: 2h43
